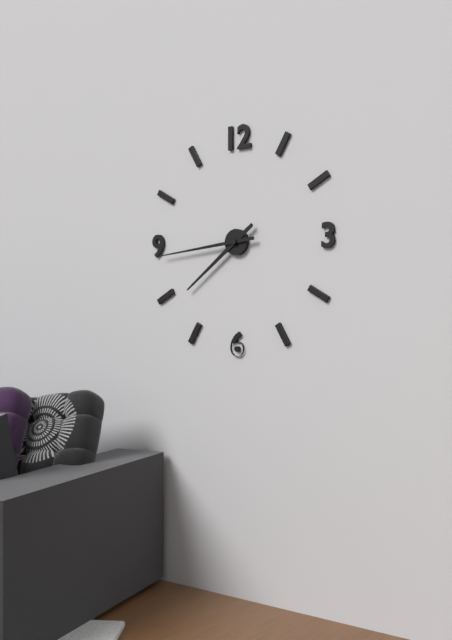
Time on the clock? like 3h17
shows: 7h44
